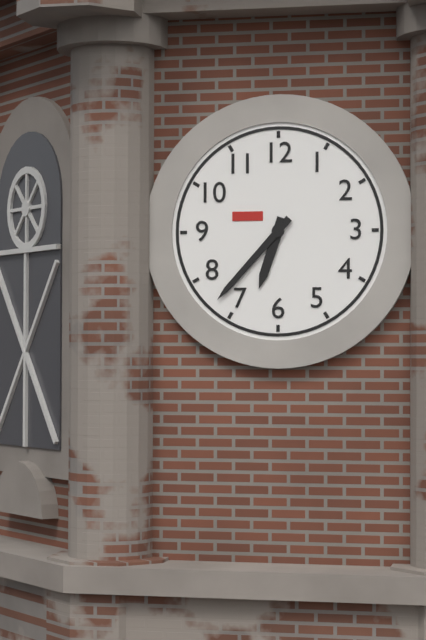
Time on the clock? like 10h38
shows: 6h37
